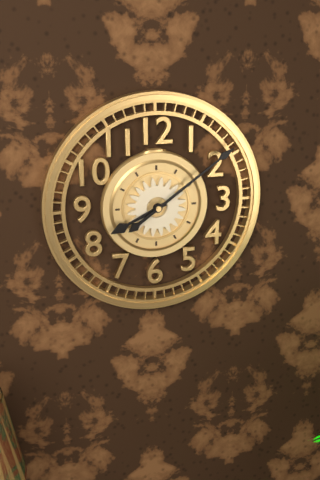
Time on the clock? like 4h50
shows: 8h09
